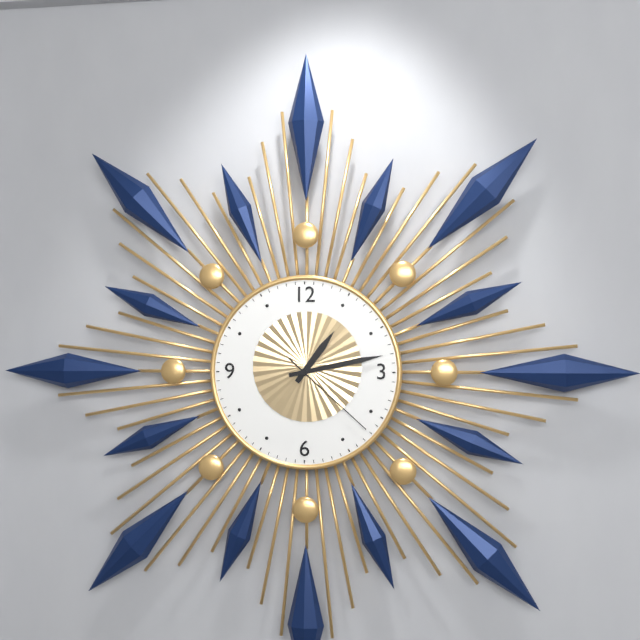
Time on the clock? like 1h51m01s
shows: 1h13m22s
